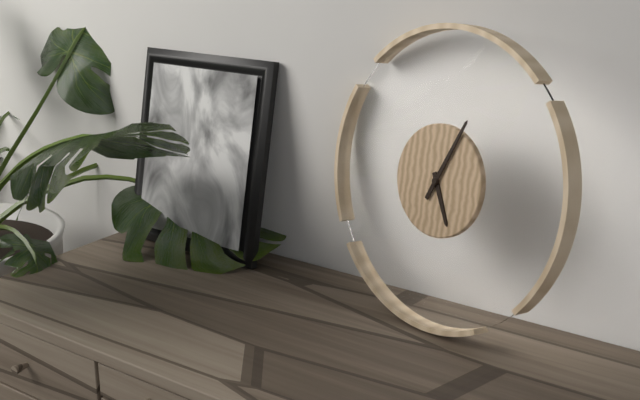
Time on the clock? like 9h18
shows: 5h04
